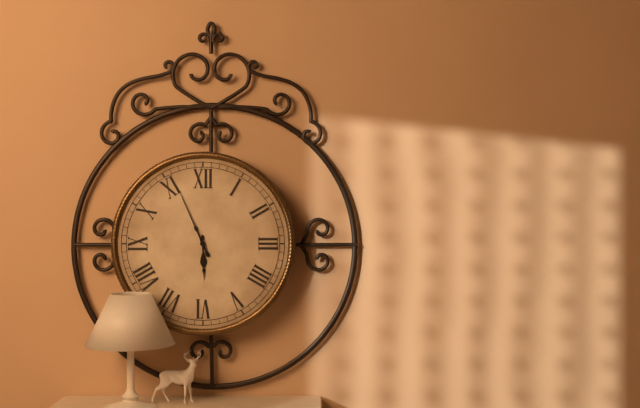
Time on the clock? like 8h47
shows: 5h56
